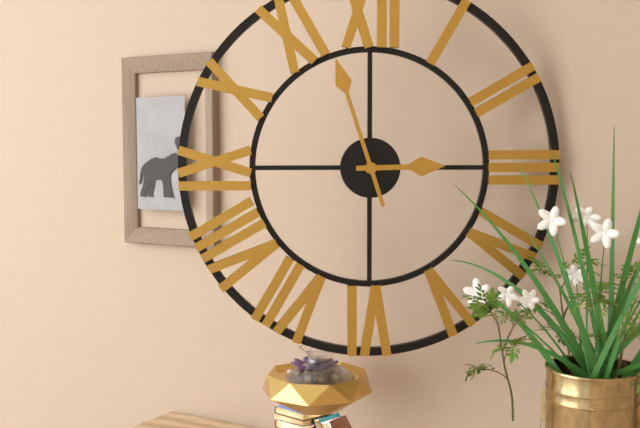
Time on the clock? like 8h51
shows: 2h57
